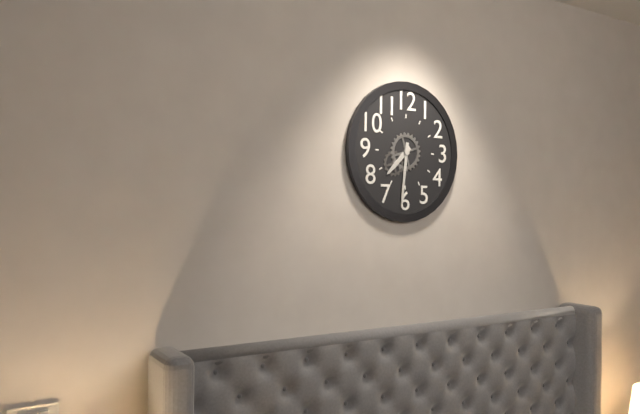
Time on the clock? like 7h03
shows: 7h31
